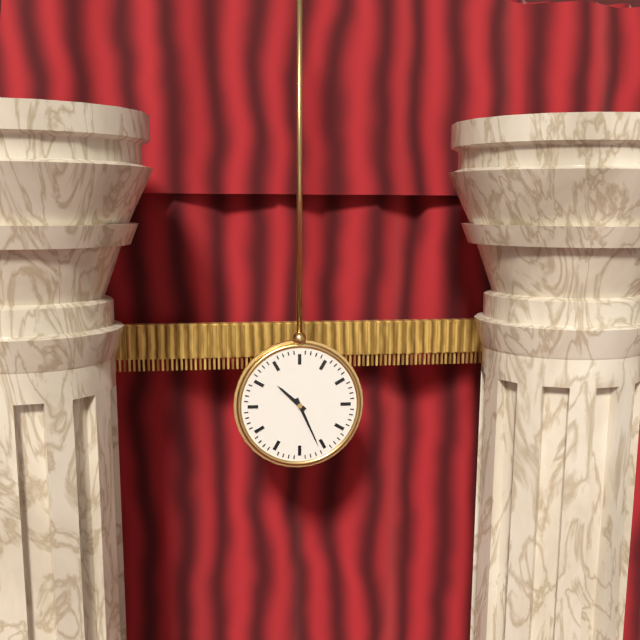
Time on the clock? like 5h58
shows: 10h26
